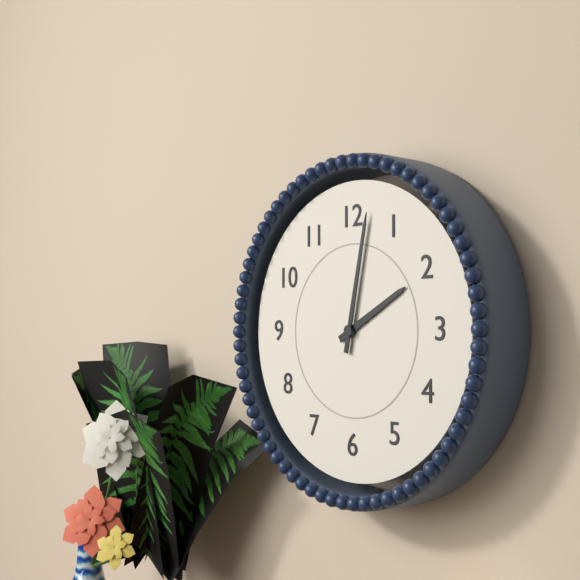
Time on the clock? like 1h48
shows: 2h02
